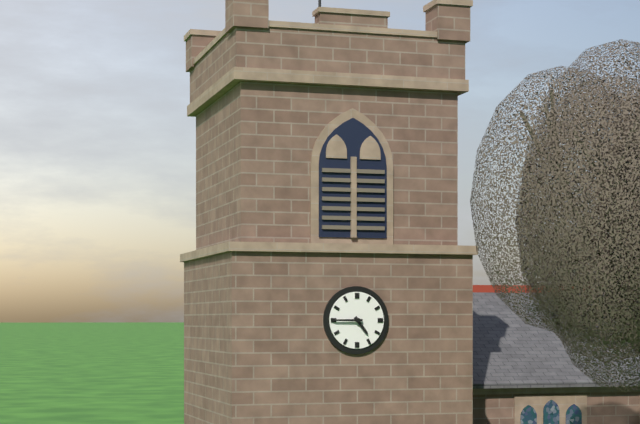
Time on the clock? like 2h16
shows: 4h45
